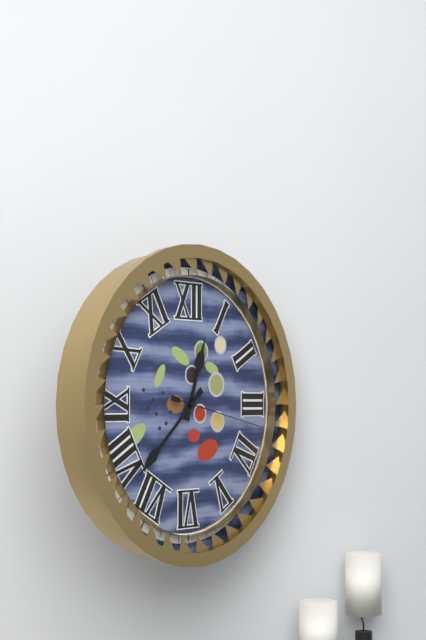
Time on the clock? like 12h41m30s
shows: 12h38m17s
